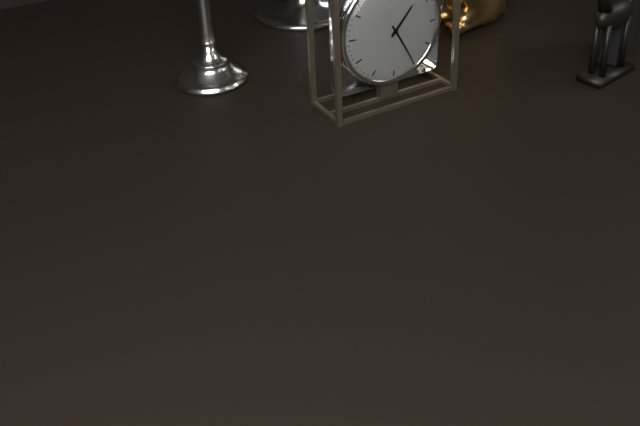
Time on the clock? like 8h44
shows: 1h25
